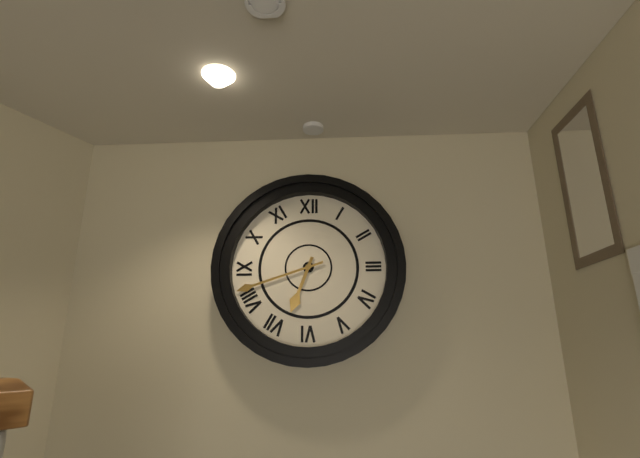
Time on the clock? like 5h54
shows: 6h42
